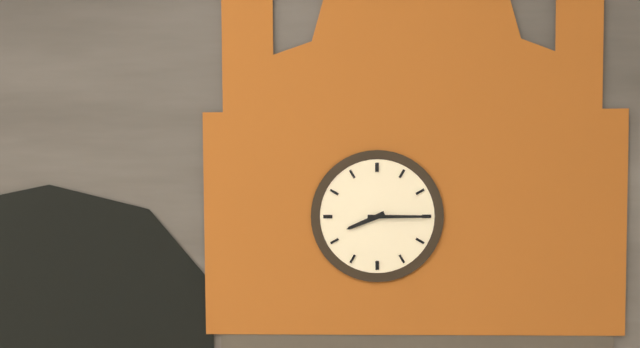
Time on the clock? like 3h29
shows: 8h15
